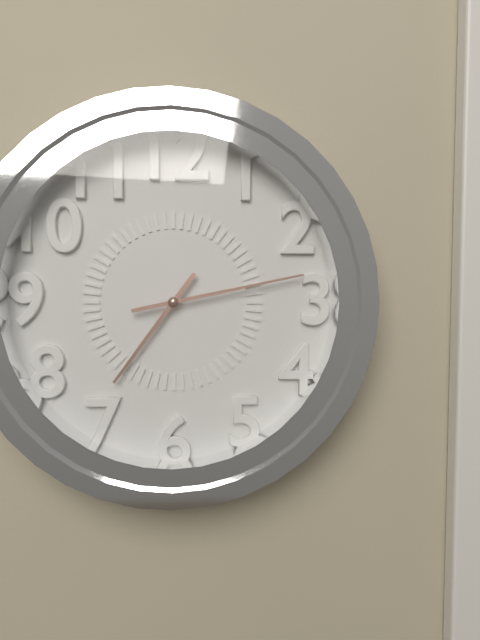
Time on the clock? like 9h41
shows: 7h13
